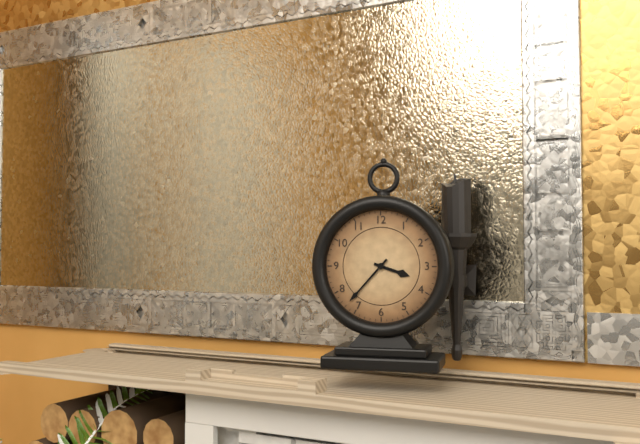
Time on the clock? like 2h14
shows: 3h37
